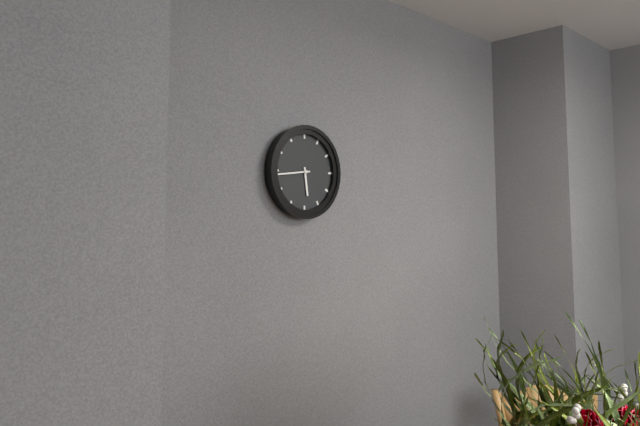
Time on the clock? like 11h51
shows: 5h44
